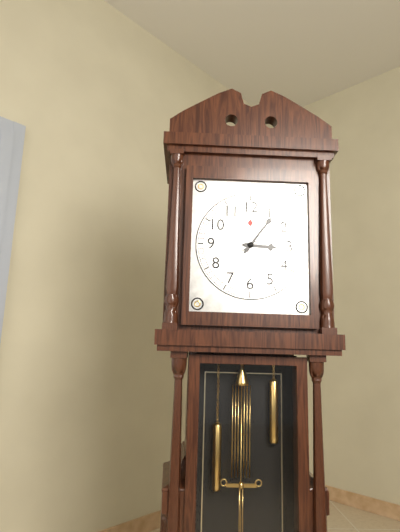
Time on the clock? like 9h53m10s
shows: 3h06m09s
